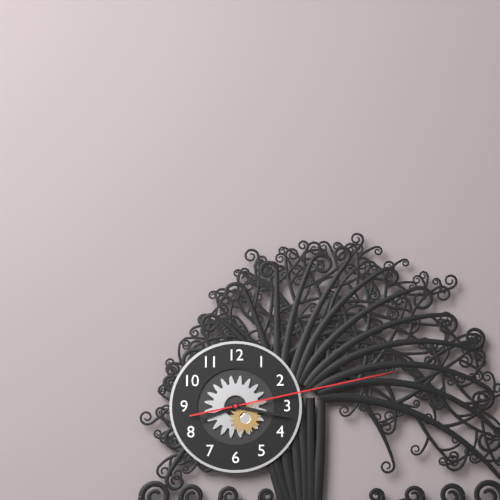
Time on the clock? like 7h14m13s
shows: 8h17m13s
